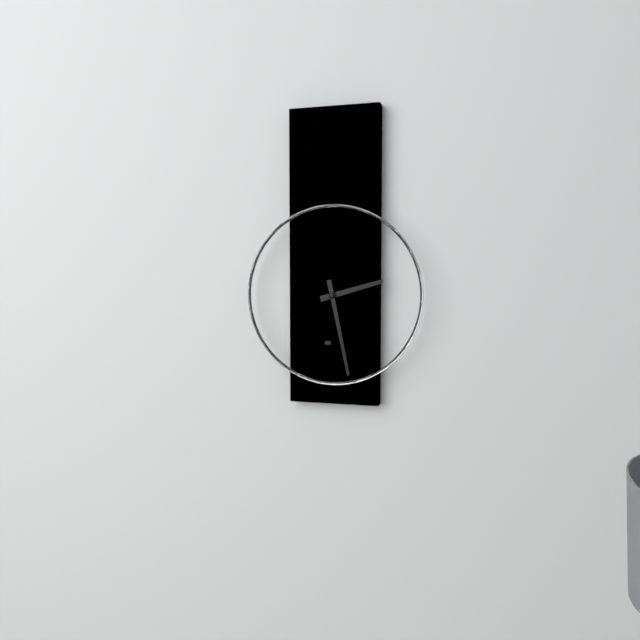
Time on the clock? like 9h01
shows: 2h28
